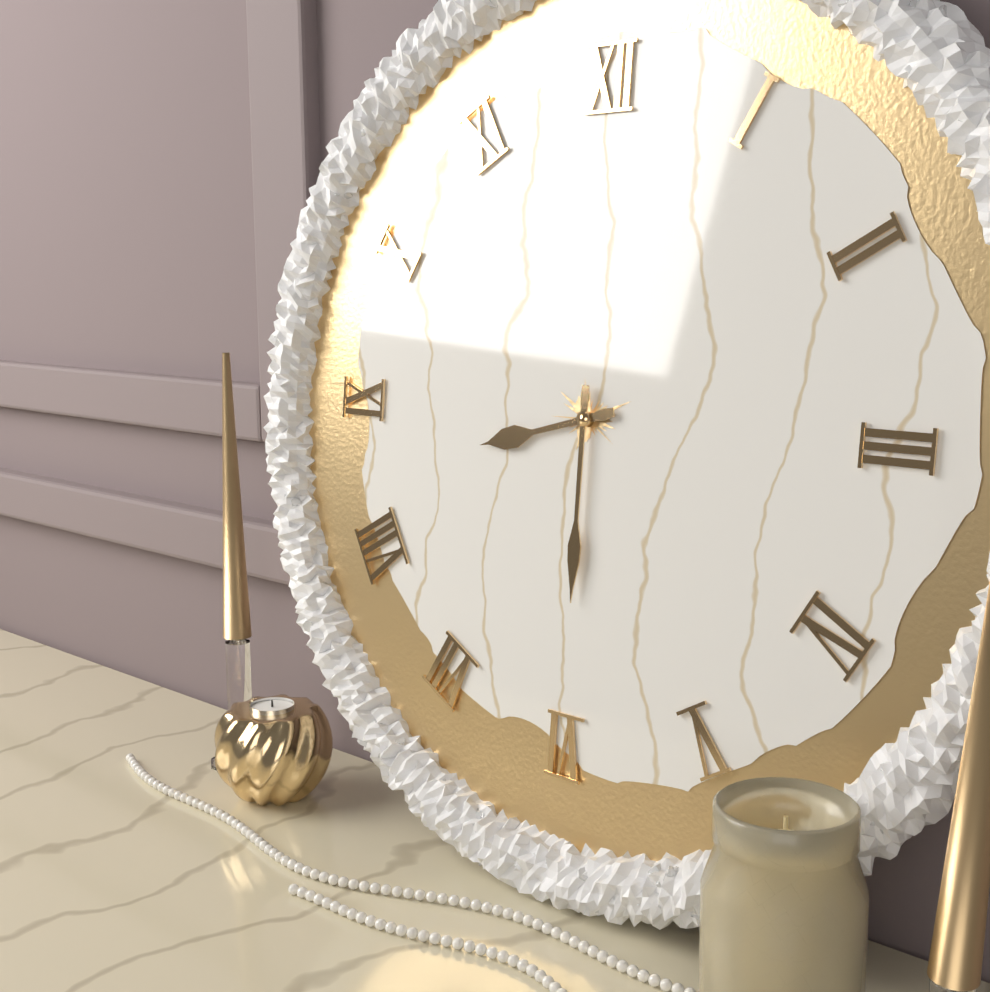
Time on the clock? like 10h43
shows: 8h30
